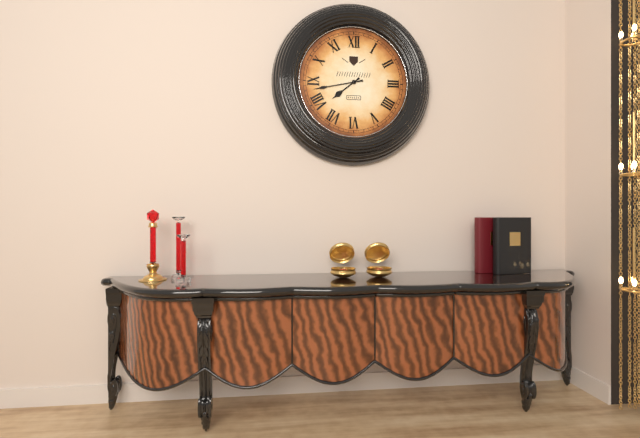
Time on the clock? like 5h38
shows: 7h43
